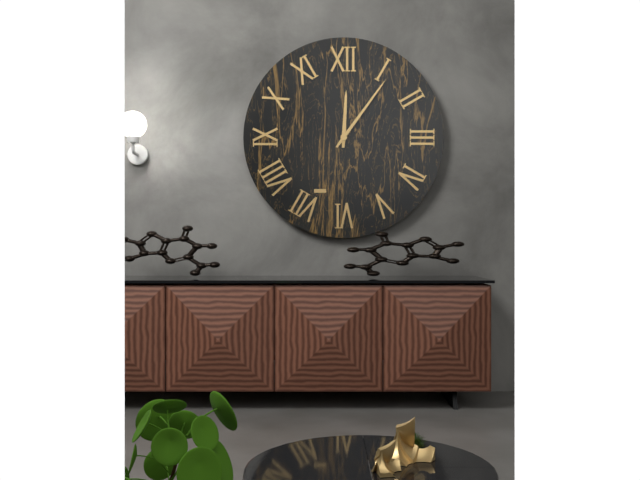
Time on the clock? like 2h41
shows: 12h06
